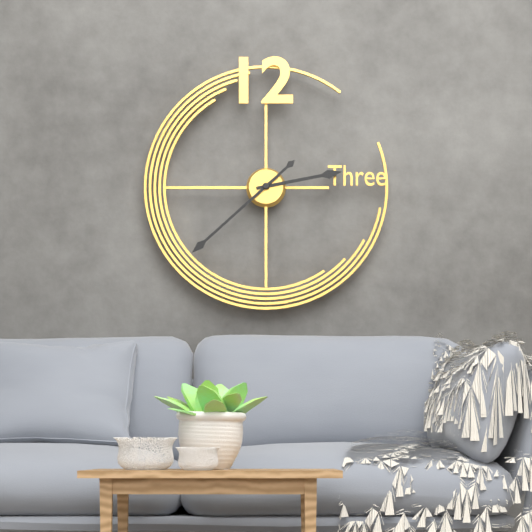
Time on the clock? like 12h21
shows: 2h38
